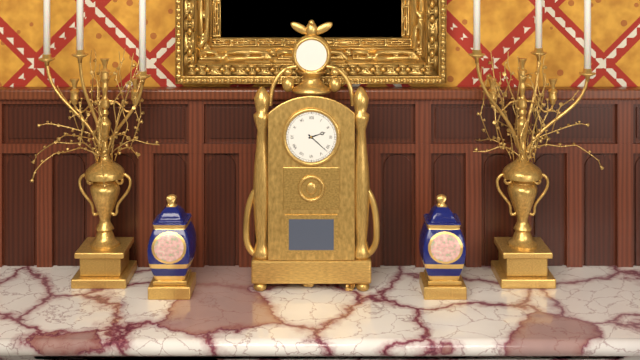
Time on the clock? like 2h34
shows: 2h22
